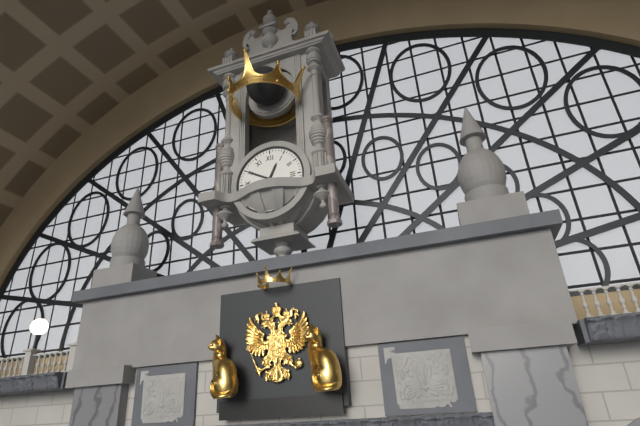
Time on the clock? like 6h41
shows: 12h50
